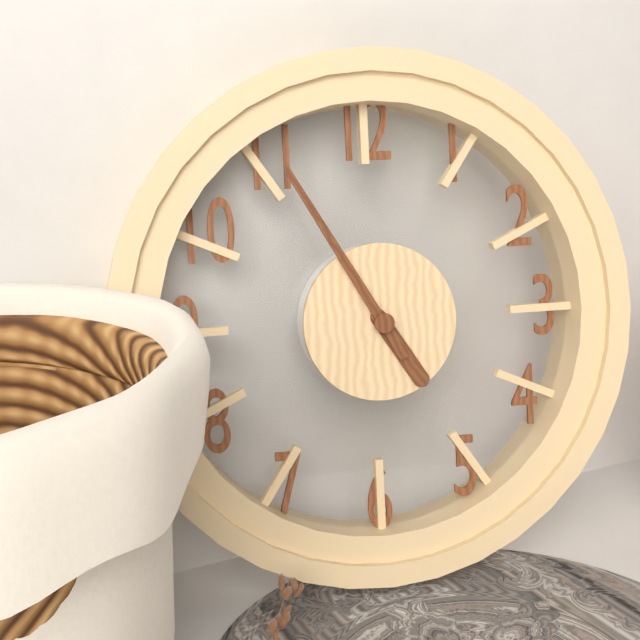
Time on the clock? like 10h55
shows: 4h55
